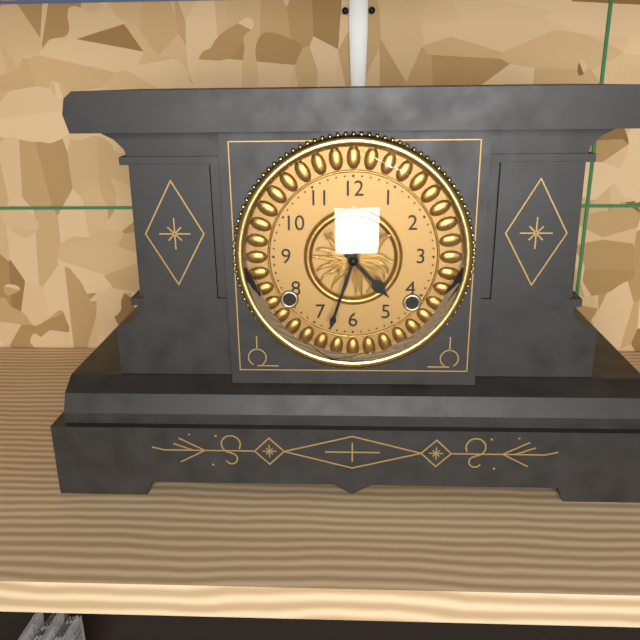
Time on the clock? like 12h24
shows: 4h33
